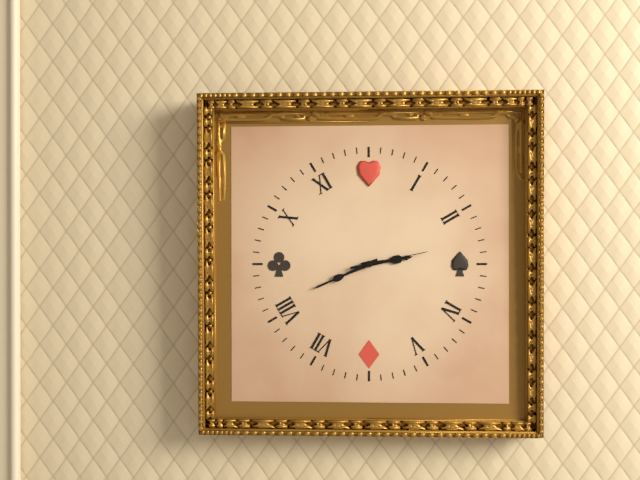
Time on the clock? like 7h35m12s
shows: 2h41m13s
